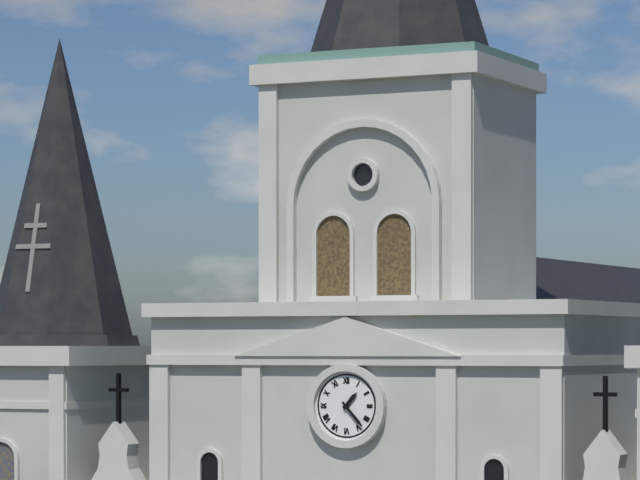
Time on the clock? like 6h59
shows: 1h23
